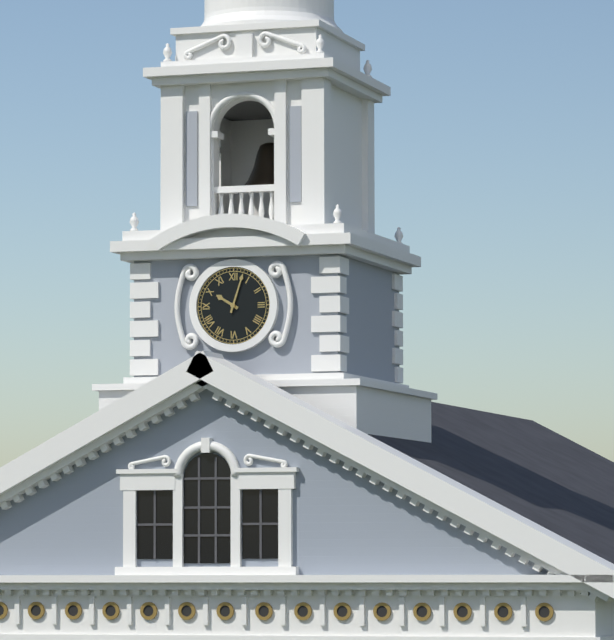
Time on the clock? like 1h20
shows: 10h03
